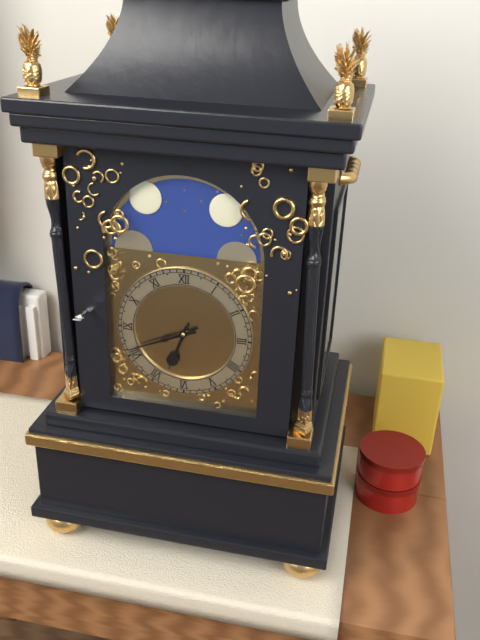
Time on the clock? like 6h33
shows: 6h41
